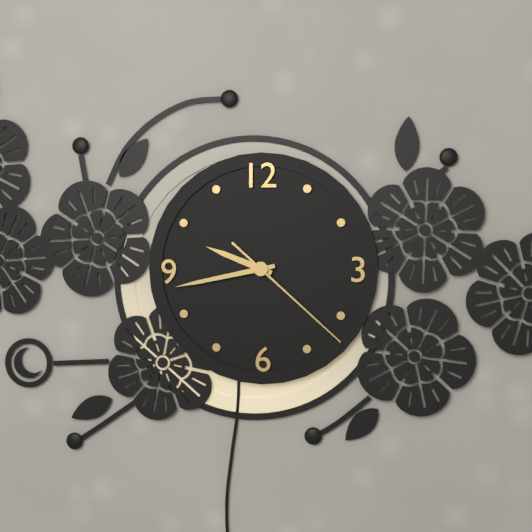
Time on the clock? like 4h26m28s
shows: 9h43m22s
